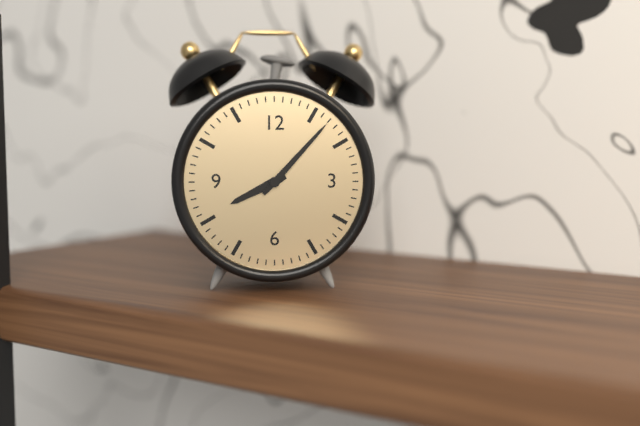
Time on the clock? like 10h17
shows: 8h07
